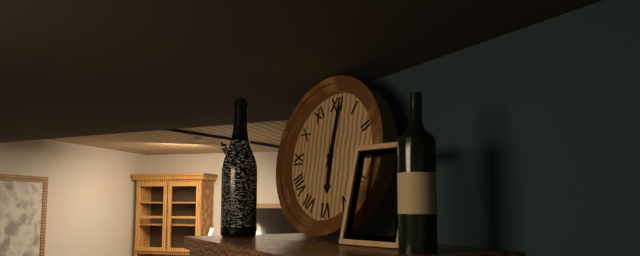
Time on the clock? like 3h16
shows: 6h01
